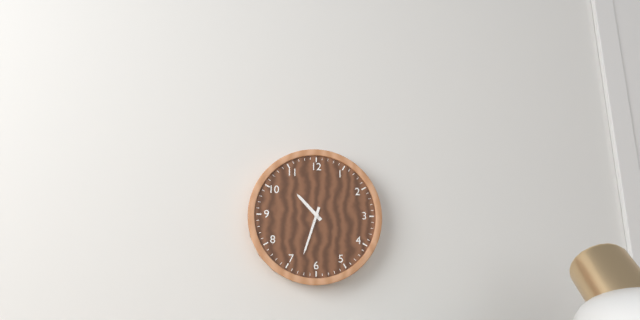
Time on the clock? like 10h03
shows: 10h33
